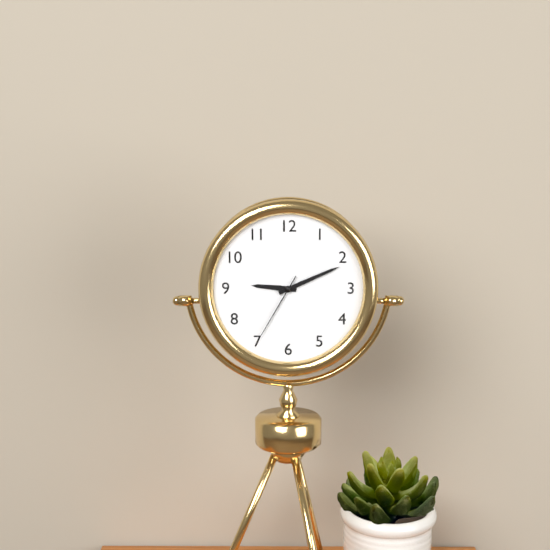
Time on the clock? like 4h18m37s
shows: 9h11m35s
